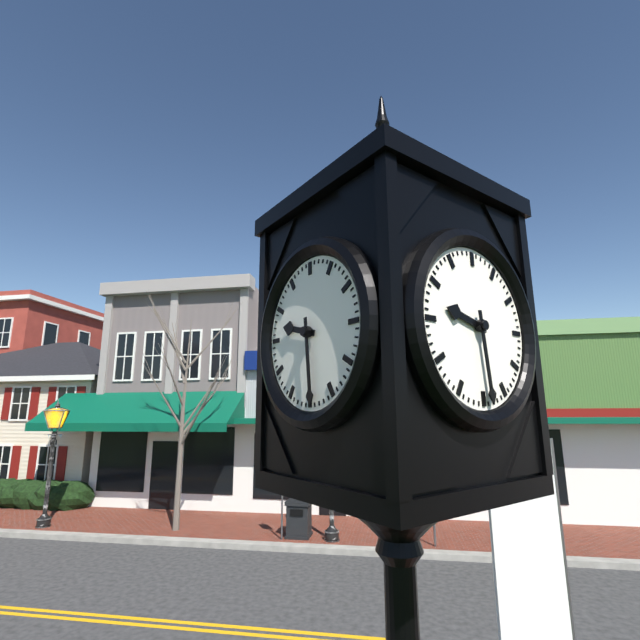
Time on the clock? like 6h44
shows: 9h29
